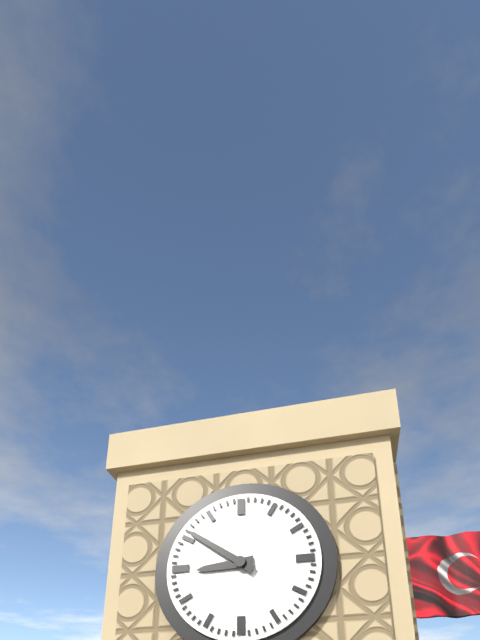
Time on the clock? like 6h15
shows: 8h51
